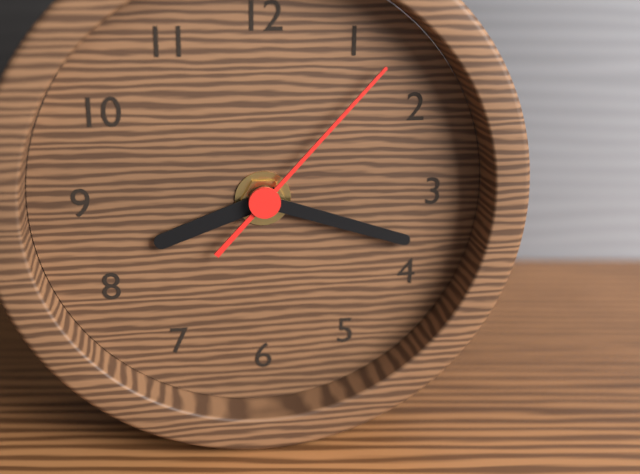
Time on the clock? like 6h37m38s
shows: 8h18m07s
